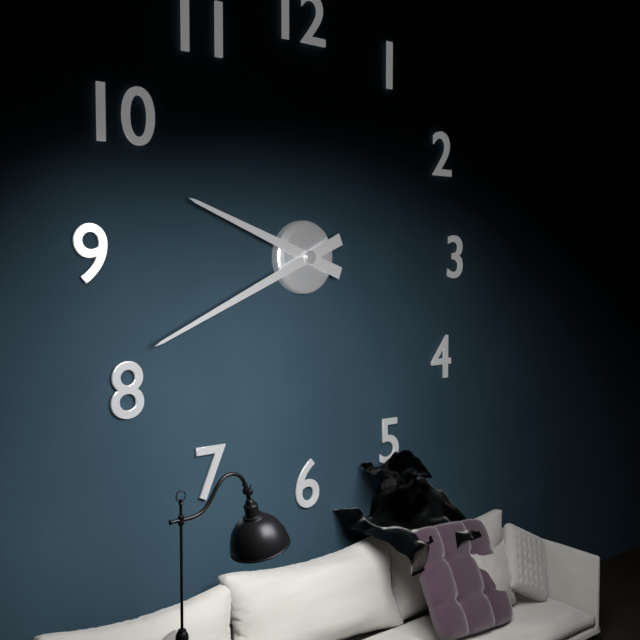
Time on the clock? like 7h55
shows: 9h41
